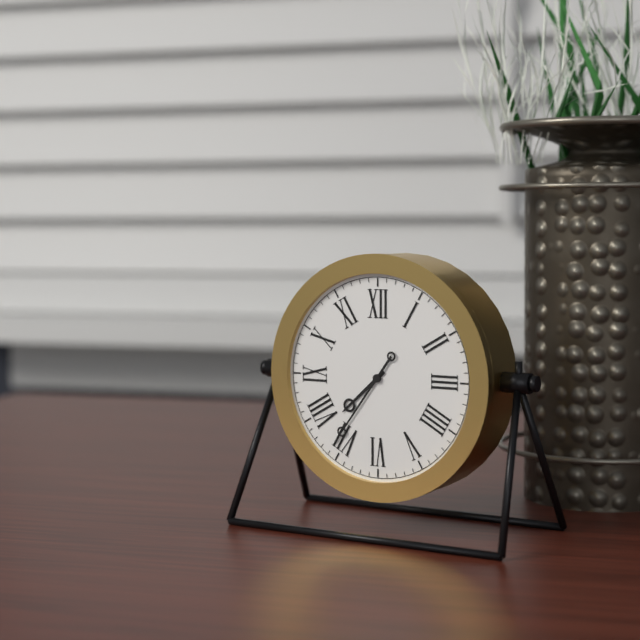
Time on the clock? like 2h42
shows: 7h36
